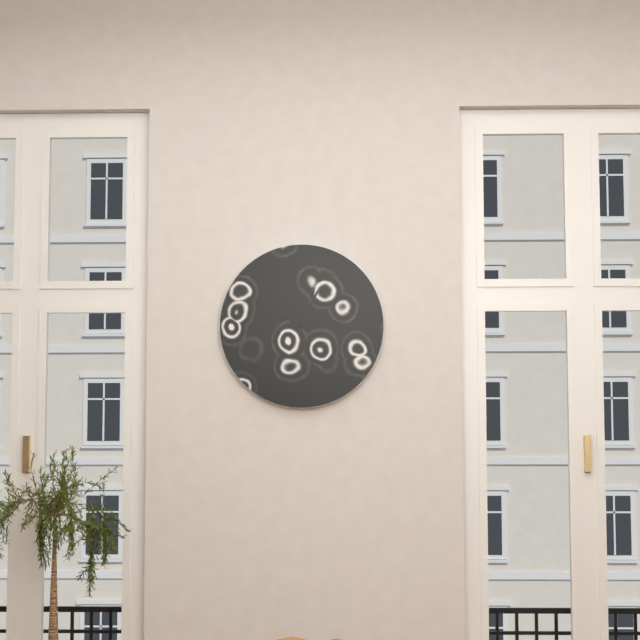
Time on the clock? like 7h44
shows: 12h50
